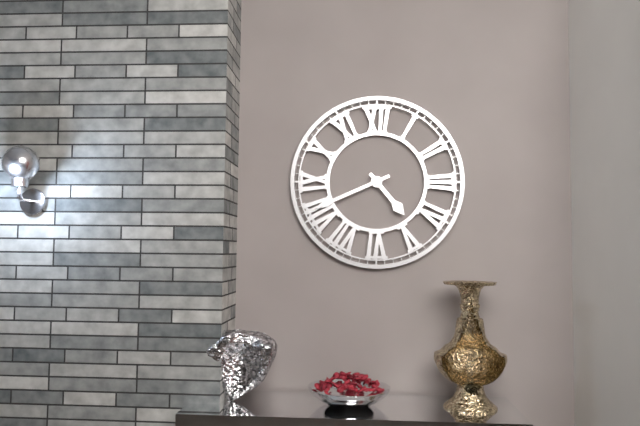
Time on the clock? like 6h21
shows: 4h41
